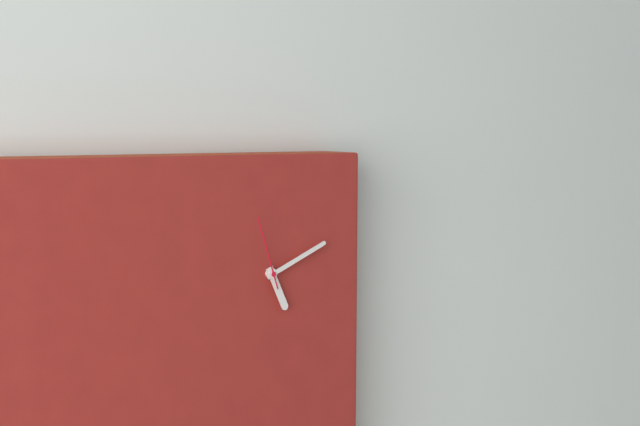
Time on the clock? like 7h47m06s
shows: 5h11m57s
